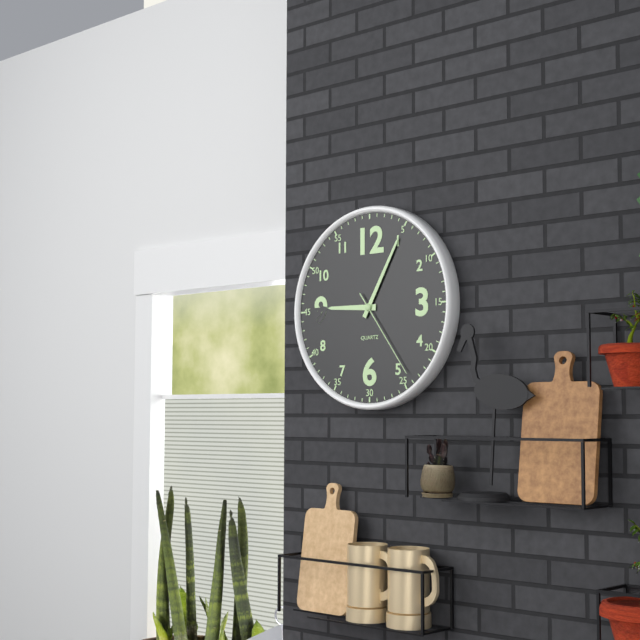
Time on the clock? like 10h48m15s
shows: 9h05m24s
